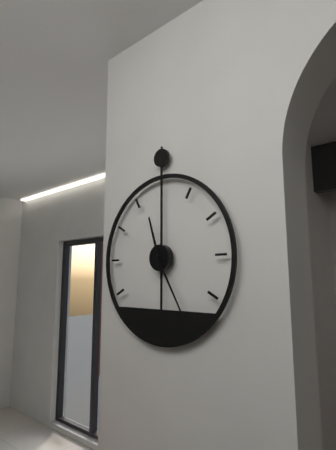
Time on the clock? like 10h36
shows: 11h25
